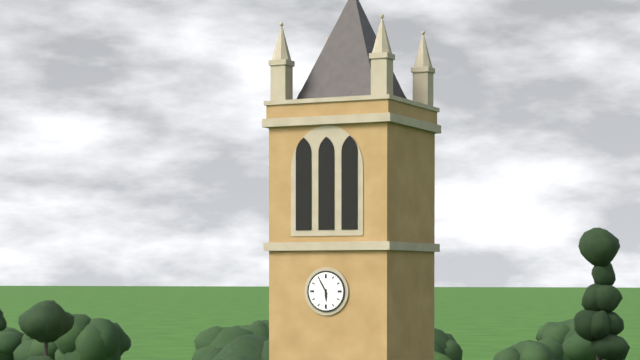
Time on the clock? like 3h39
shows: 5h55
